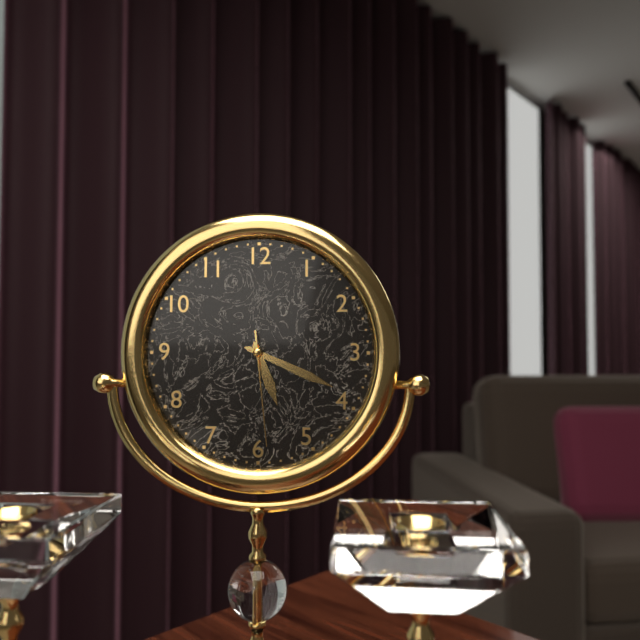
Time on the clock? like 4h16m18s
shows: 5h19m29s
